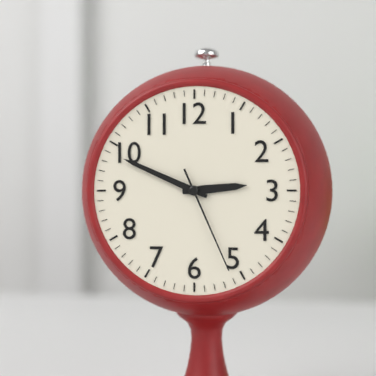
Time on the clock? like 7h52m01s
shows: 2h49m26s
